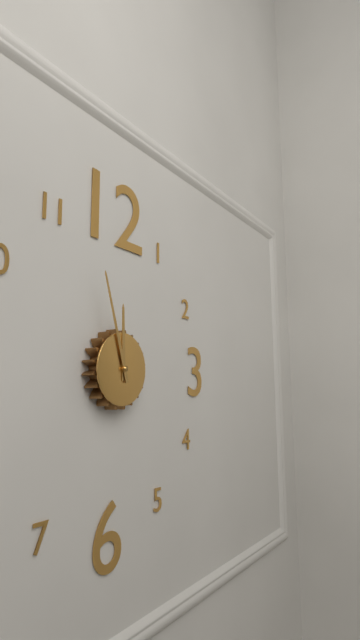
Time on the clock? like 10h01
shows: 11h57
